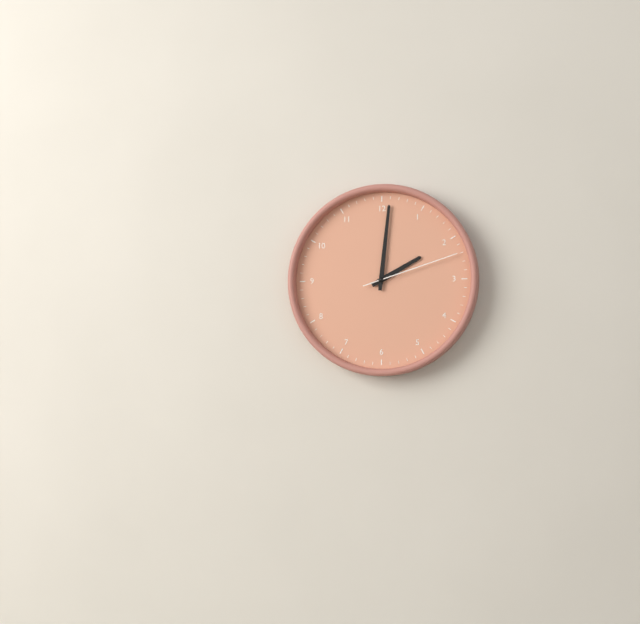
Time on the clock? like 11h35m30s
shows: 2h01m12s
